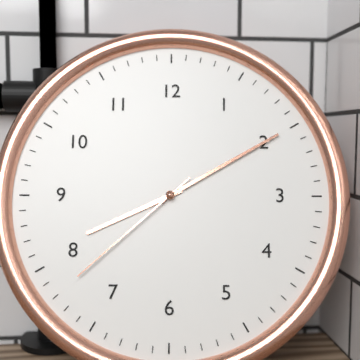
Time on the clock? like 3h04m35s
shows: 8h10m38s
